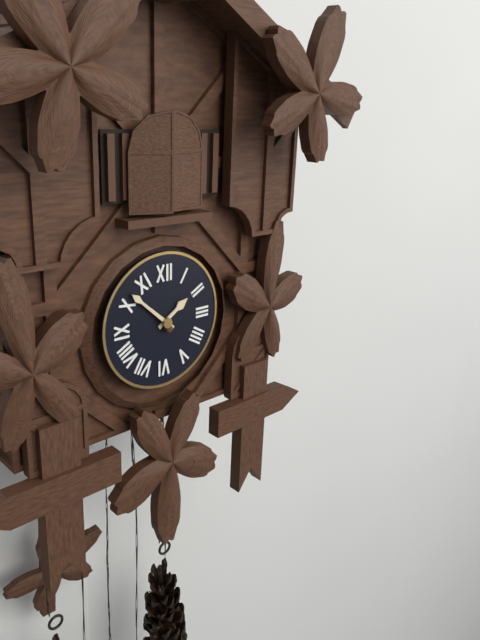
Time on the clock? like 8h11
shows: 1h52
